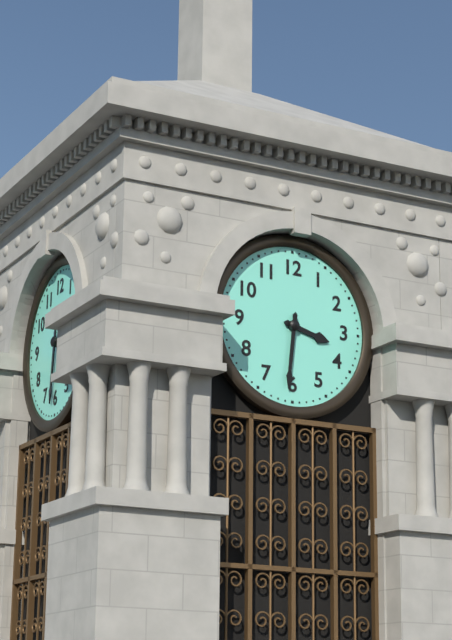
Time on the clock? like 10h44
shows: 3h31
